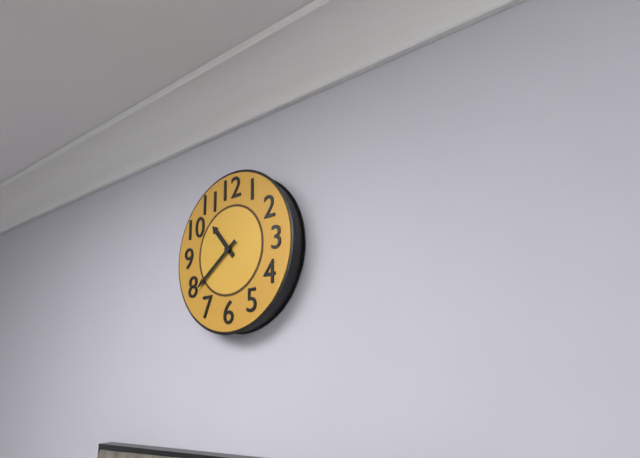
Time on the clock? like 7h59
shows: 10h39
